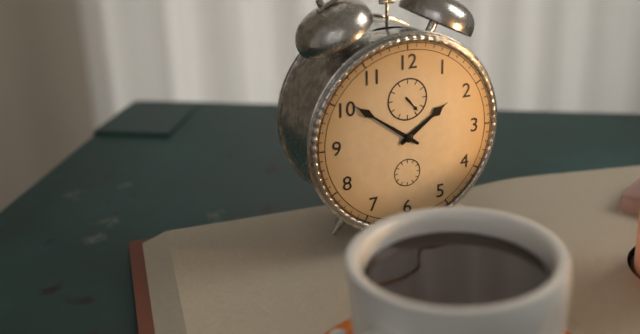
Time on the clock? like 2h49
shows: 1h51
